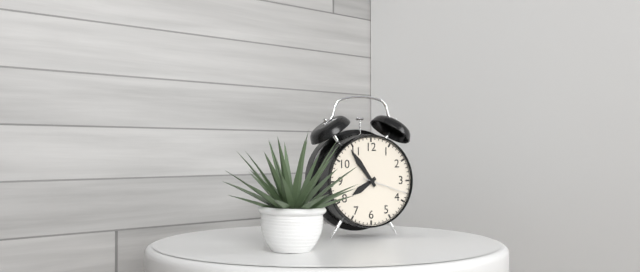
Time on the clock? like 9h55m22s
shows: 7h54m18s
